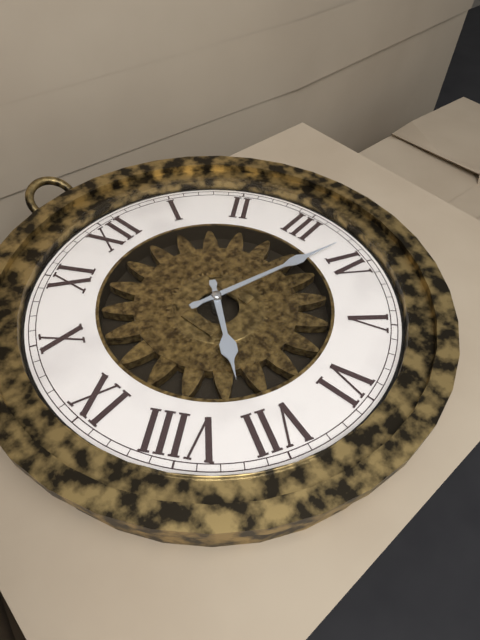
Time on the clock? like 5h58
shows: 7h18
